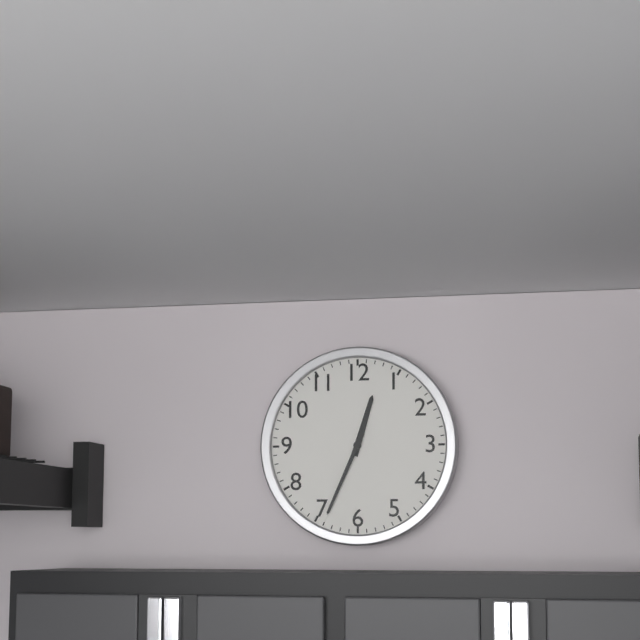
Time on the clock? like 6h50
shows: 12h34
